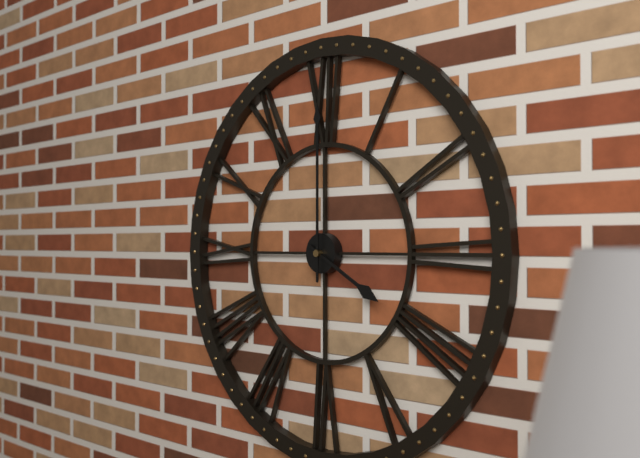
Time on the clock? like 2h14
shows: 4h00
